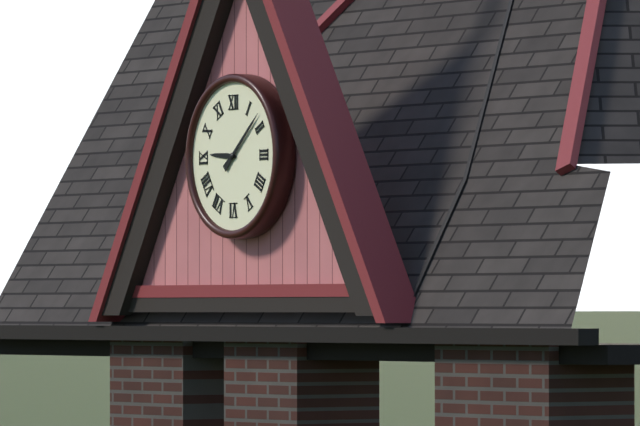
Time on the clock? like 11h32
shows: 9h08
